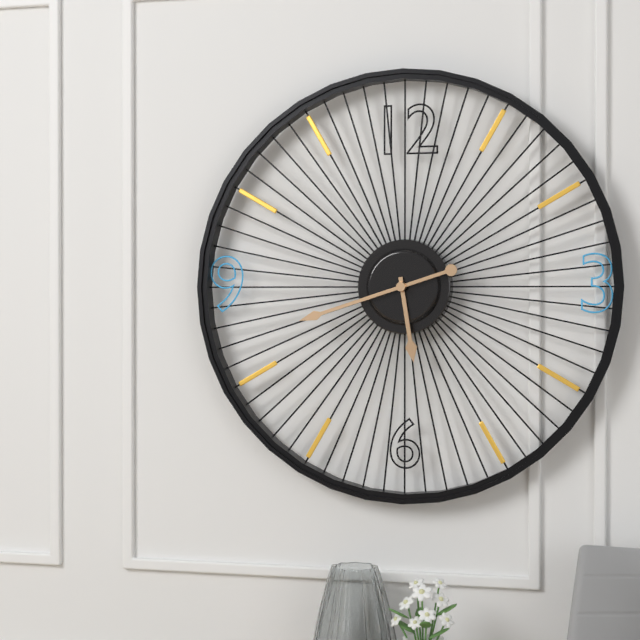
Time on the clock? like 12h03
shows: 5h42
